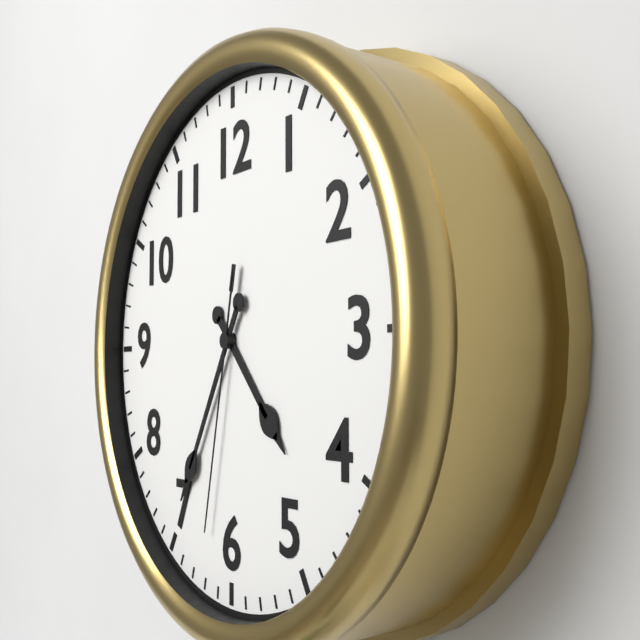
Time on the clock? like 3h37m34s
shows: 4h35m32s
